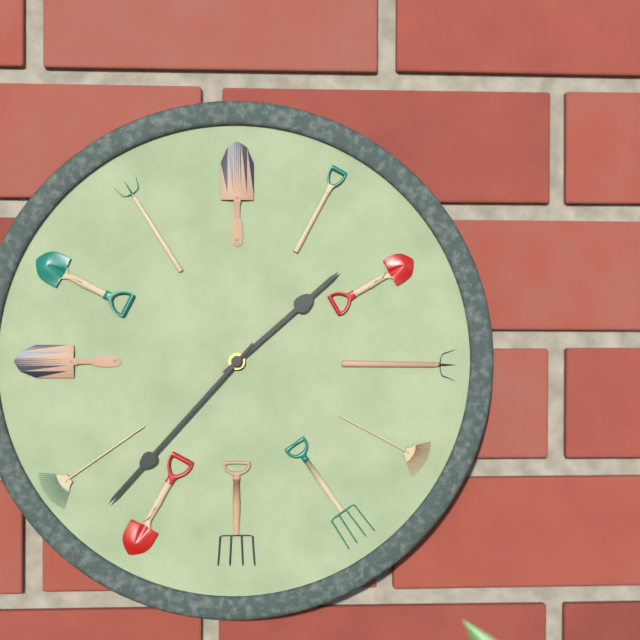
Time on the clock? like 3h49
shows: 1h37
